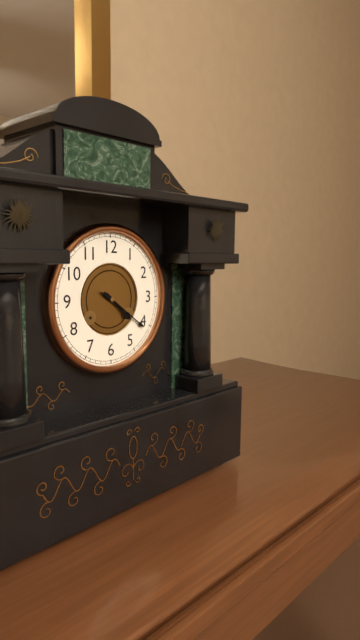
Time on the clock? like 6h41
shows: 4h21
